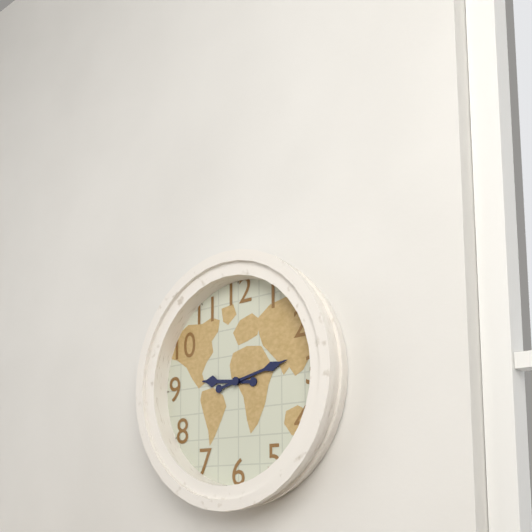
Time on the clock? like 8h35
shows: 9h13
